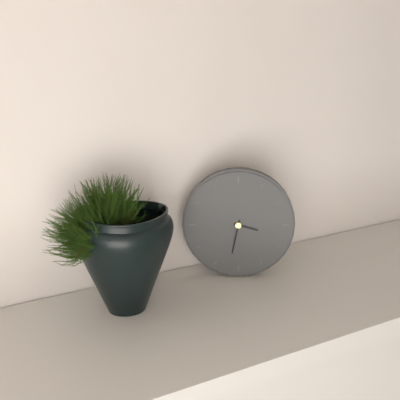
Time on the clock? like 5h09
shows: 3h32
